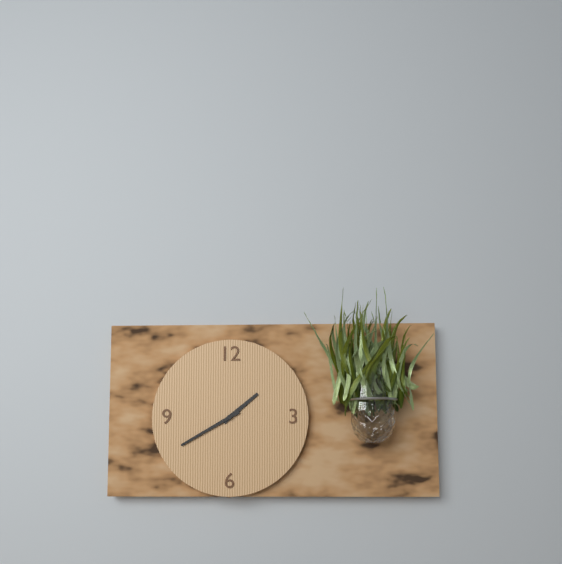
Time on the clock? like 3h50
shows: 1h40
